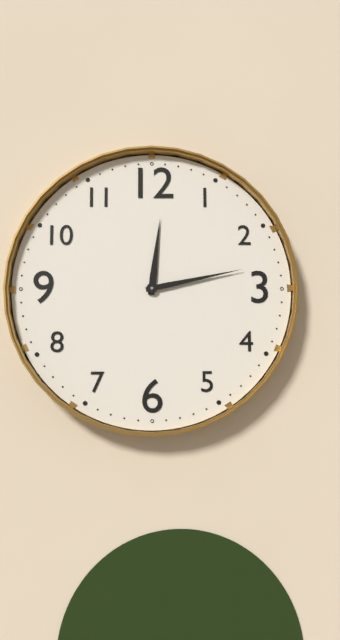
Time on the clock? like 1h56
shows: 12h13
